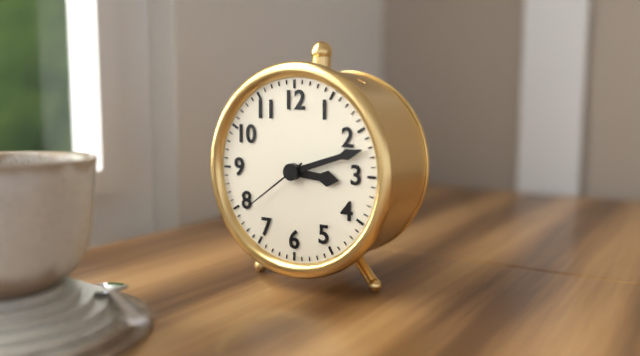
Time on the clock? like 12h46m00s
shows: 3h12m39s
